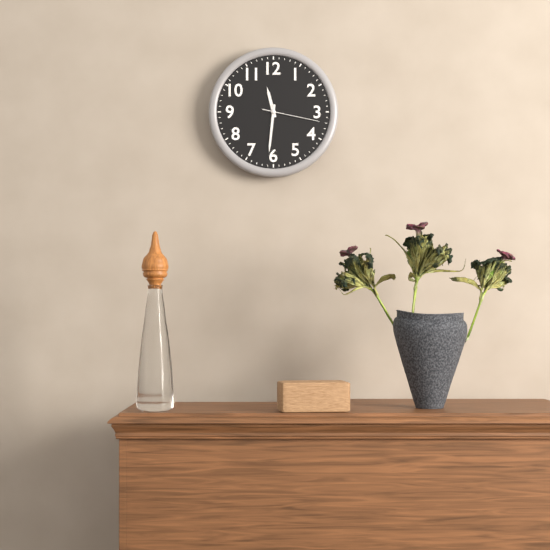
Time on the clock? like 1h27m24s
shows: 11h31m17s
